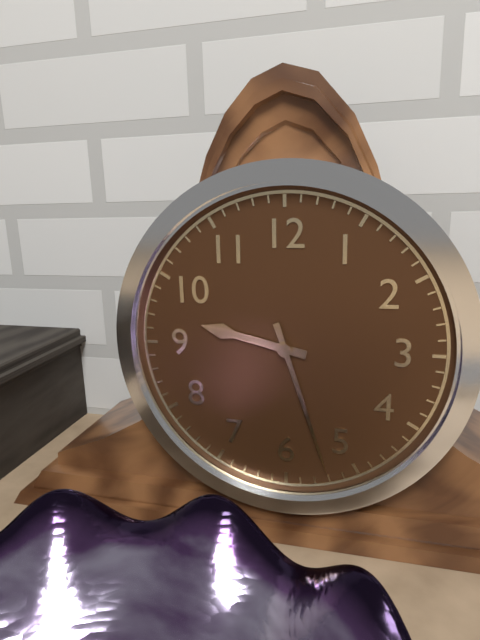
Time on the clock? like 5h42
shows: 9h27
